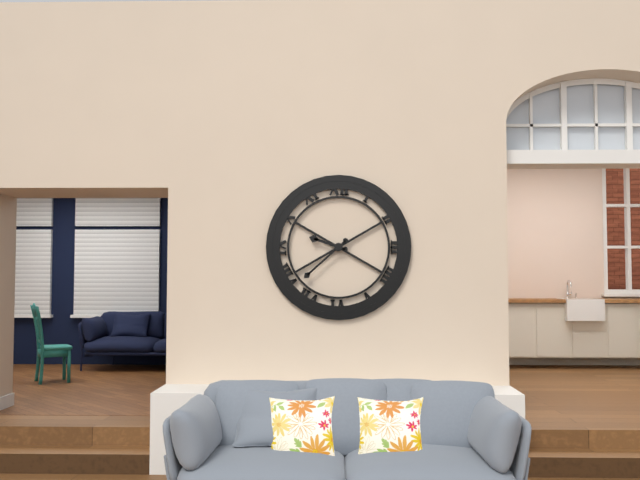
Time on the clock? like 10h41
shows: 9h38
